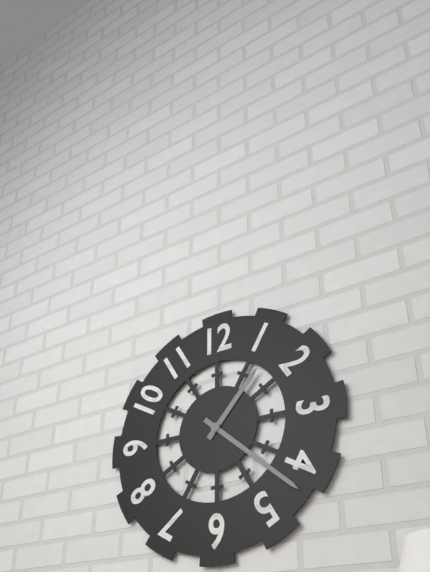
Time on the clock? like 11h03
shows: 1h22
